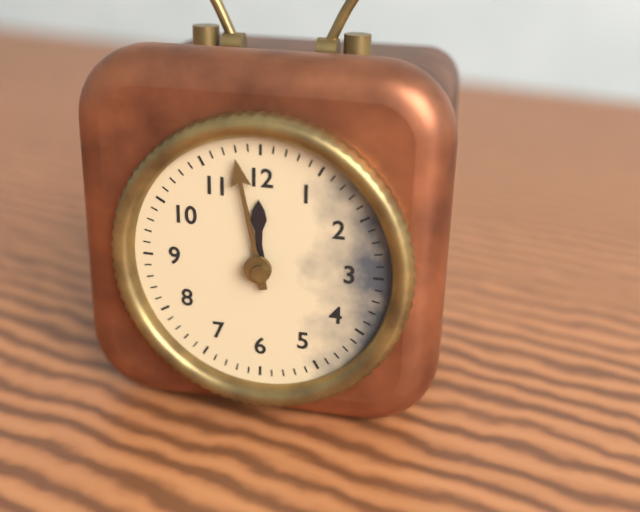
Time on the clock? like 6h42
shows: 11h58
